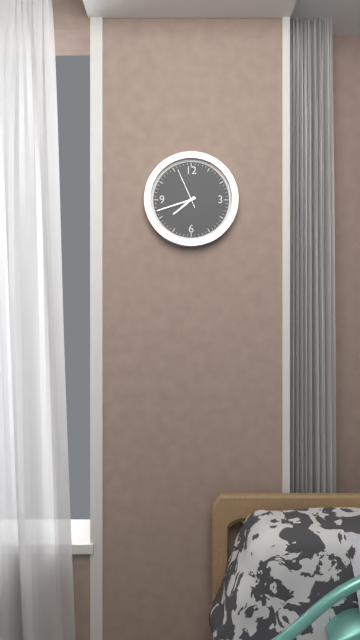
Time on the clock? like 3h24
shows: 7h42
